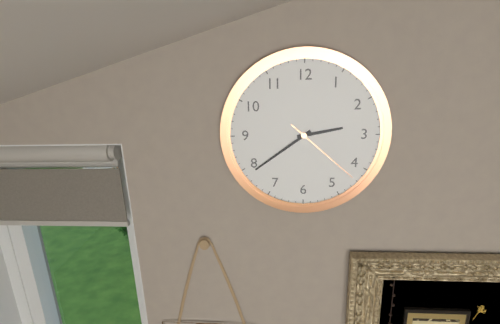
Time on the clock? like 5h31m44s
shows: 2h39m22s
